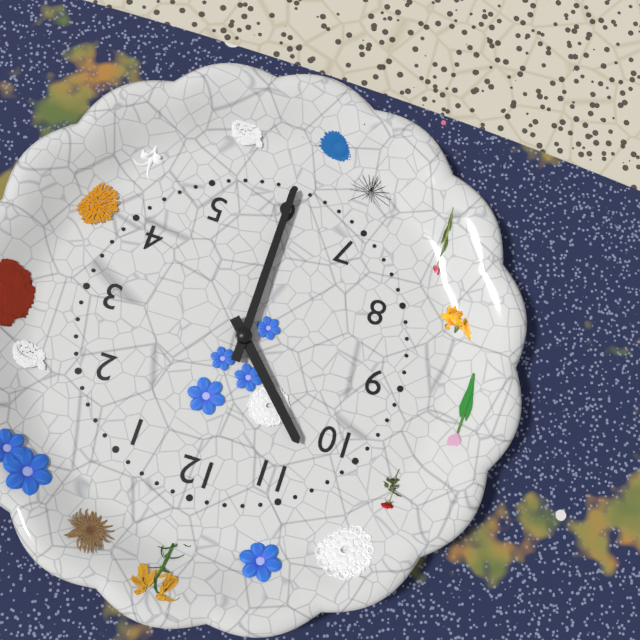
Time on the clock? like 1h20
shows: 10h30
